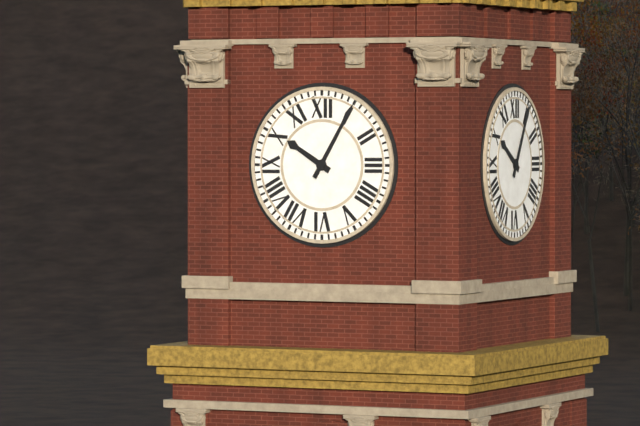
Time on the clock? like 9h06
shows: 10h05
